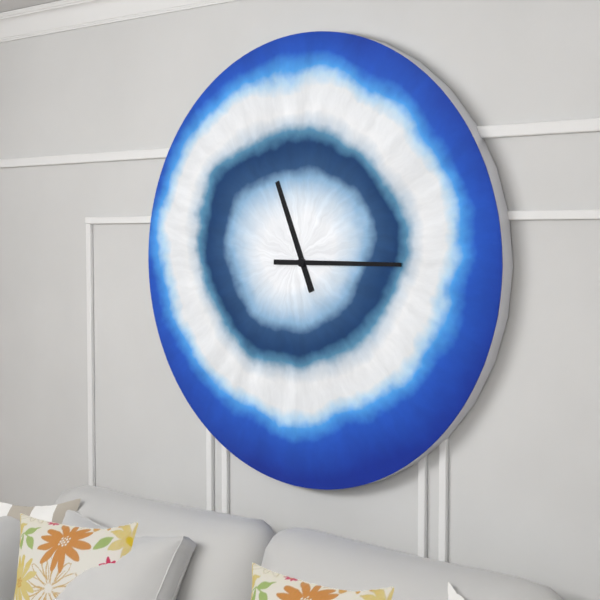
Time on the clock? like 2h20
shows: 11h15
